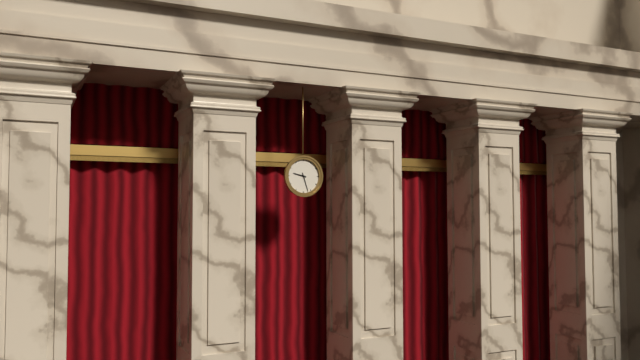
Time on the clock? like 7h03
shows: 9h27
